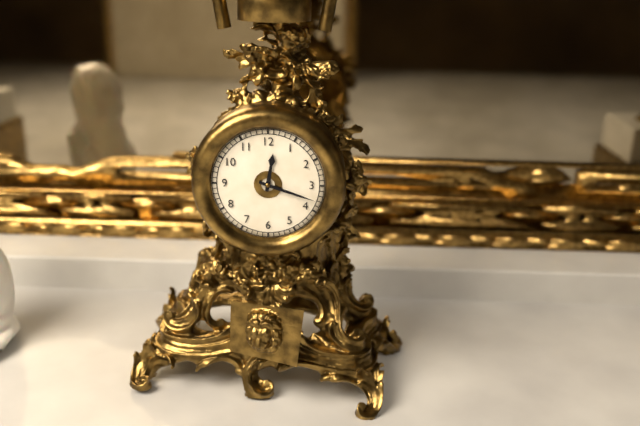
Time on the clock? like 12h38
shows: 12h18
